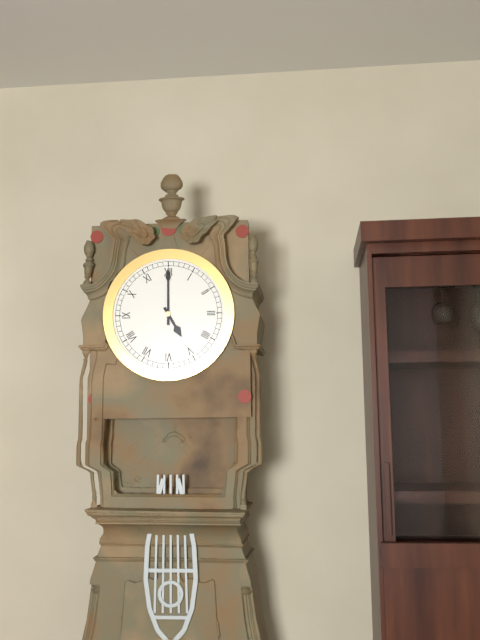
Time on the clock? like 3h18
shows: 5h00
